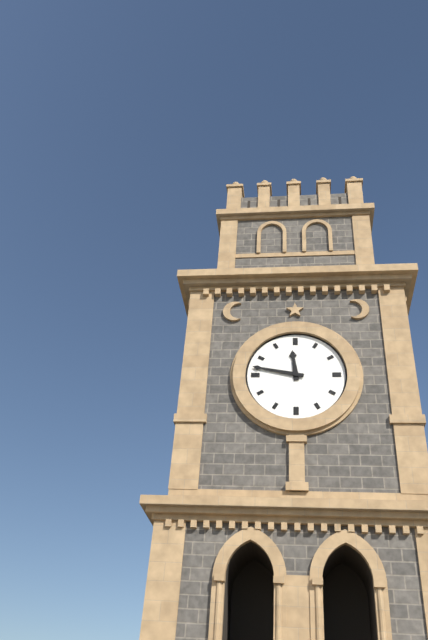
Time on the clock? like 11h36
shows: 11h47
